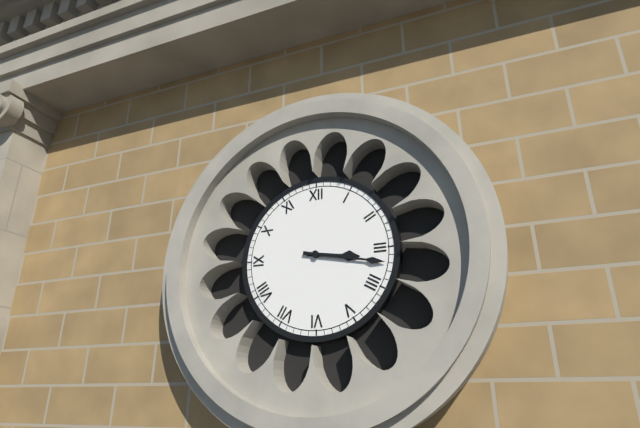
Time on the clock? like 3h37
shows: 3h17
